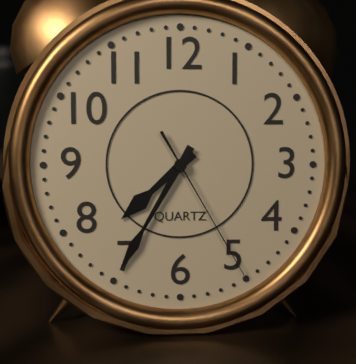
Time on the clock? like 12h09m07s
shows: 7h35m25s
